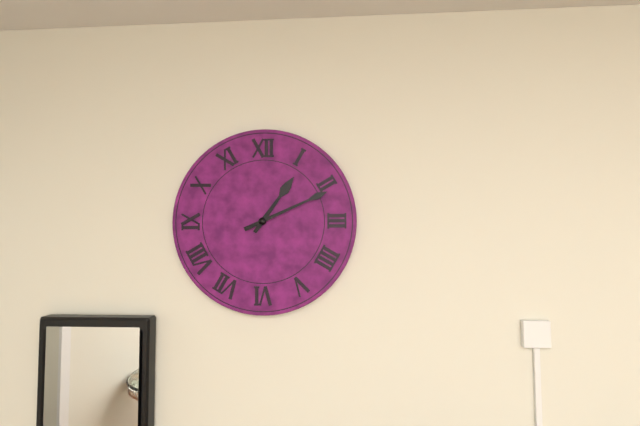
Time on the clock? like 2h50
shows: 1h11
